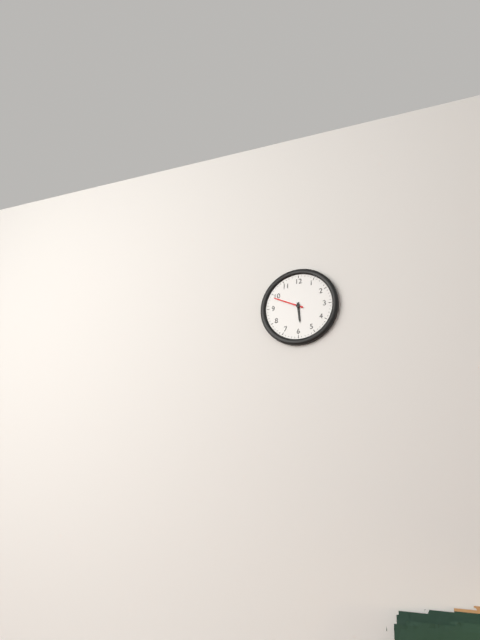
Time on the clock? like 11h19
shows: 5h49
